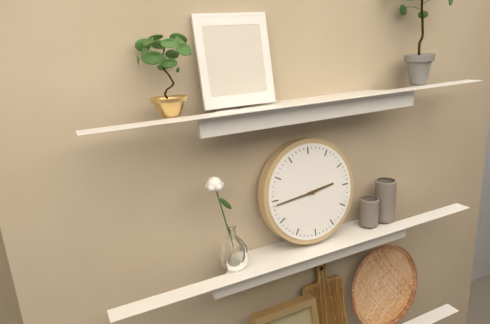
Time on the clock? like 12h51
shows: 2h44
